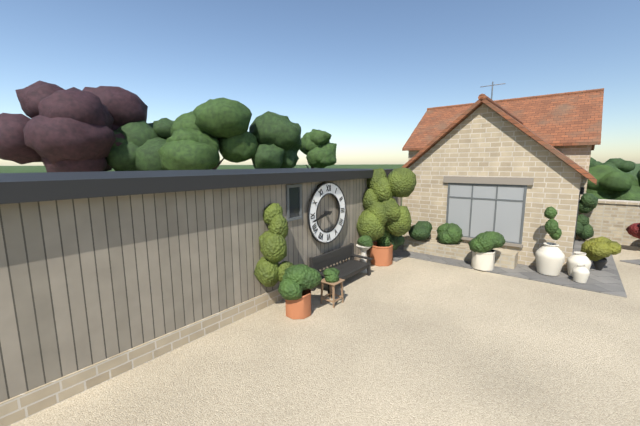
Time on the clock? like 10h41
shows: 8h43
